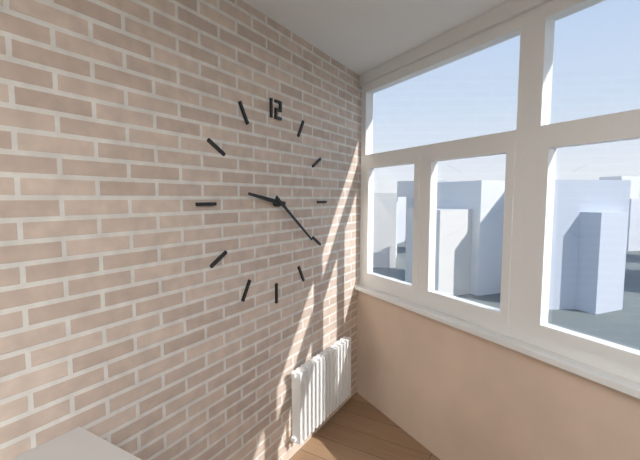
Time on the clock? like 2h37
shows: 9h21
